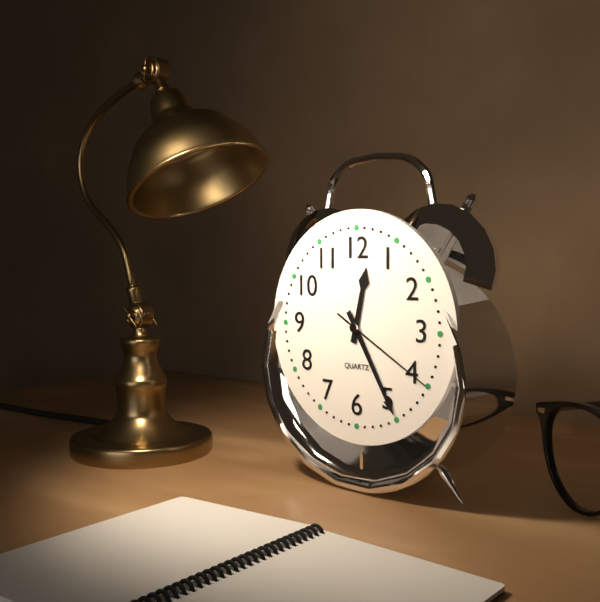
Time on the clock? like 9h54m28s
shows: 12h25m20s
